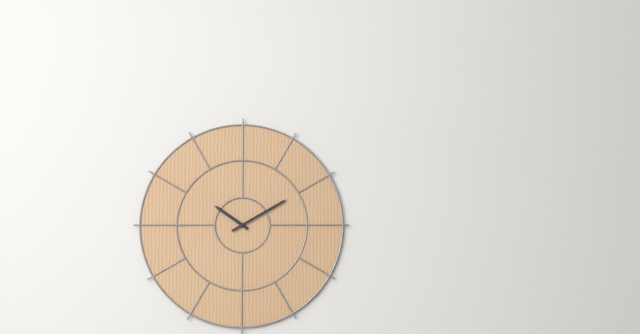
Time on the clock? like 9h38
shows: 10h10
